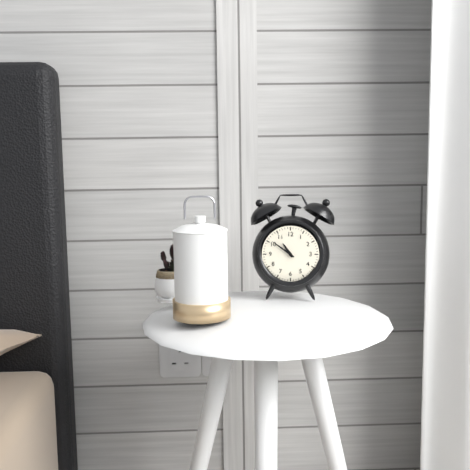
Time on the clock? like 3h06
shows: 10h51
